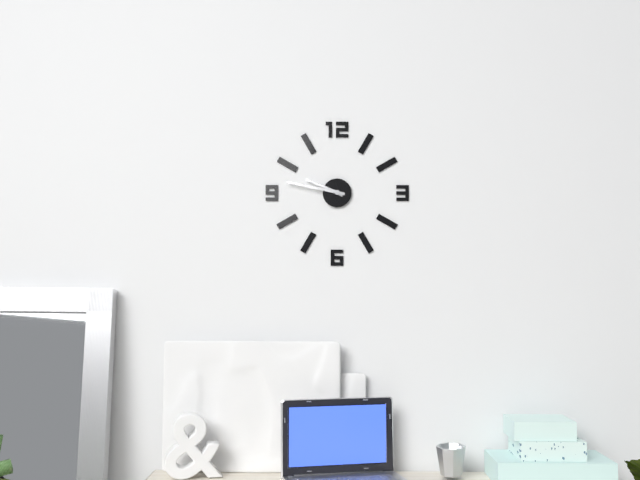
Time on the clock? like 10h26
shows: 9h47
